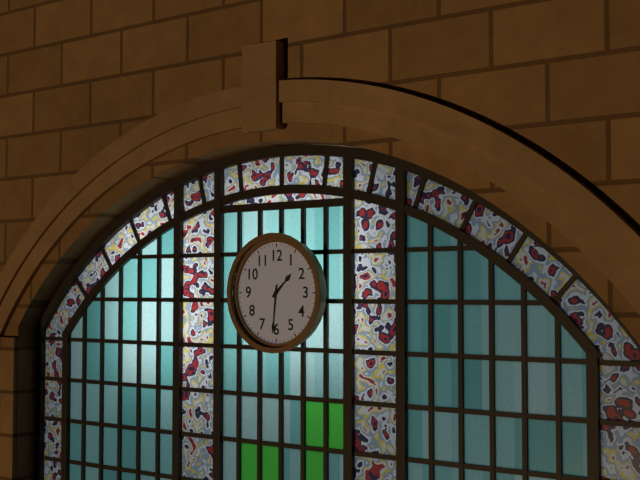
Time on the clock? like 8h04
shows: 1h31
